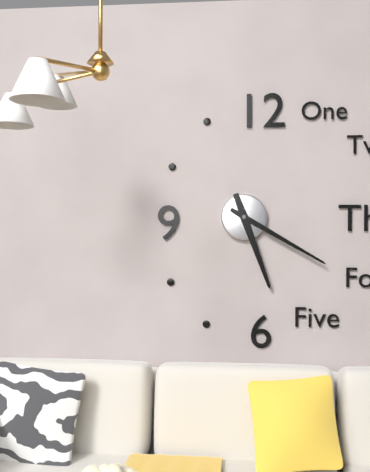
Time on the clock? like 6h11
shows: 5h20
